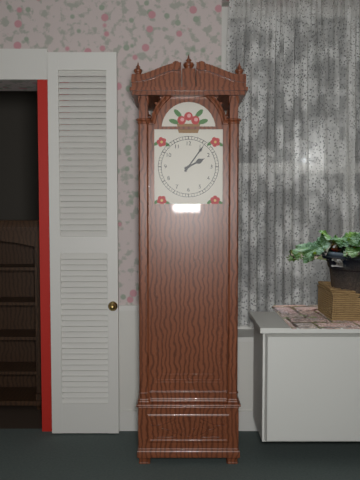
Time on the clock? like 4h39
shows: 2h06
